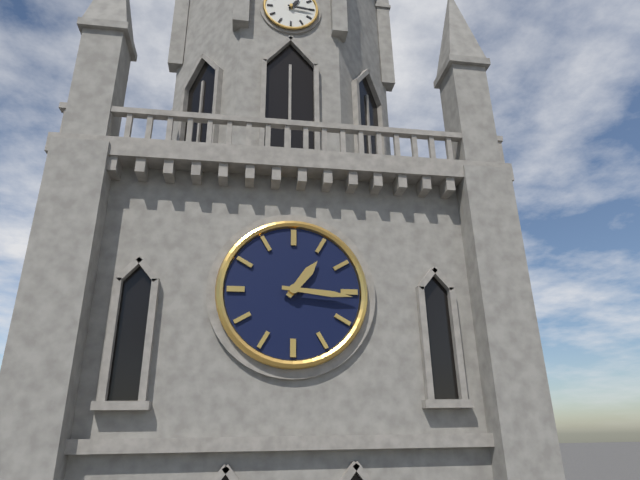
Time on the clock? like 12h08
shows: 1h16
